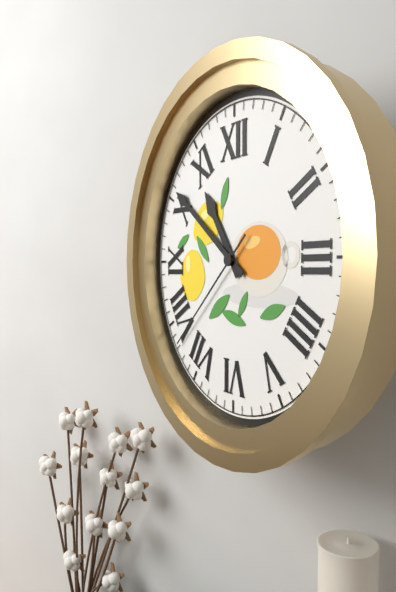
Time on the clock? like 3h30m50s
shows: 10h51m38s
